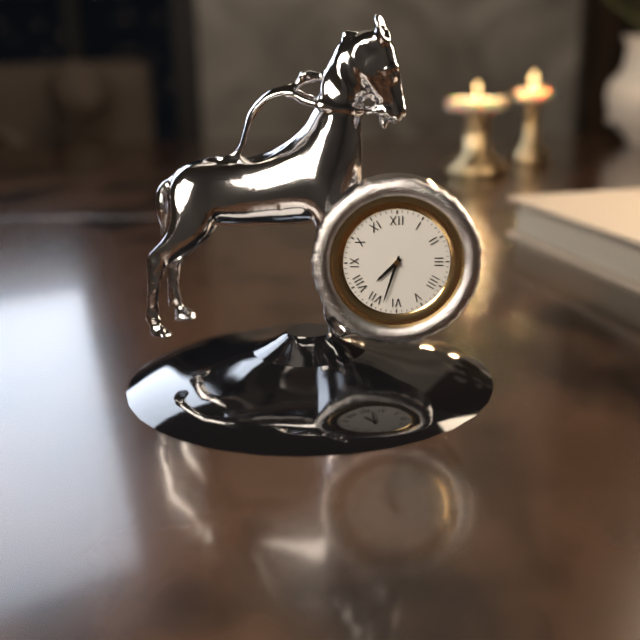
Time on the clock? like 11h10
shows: 7h33
